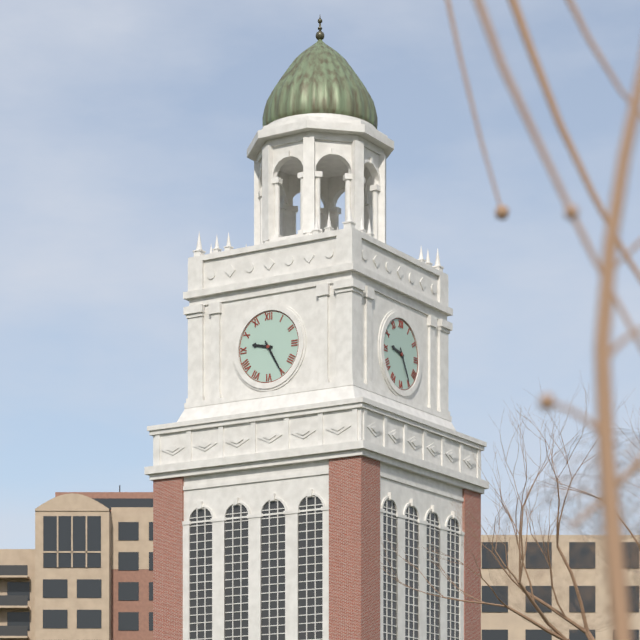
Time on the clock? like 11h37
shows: 9h25
